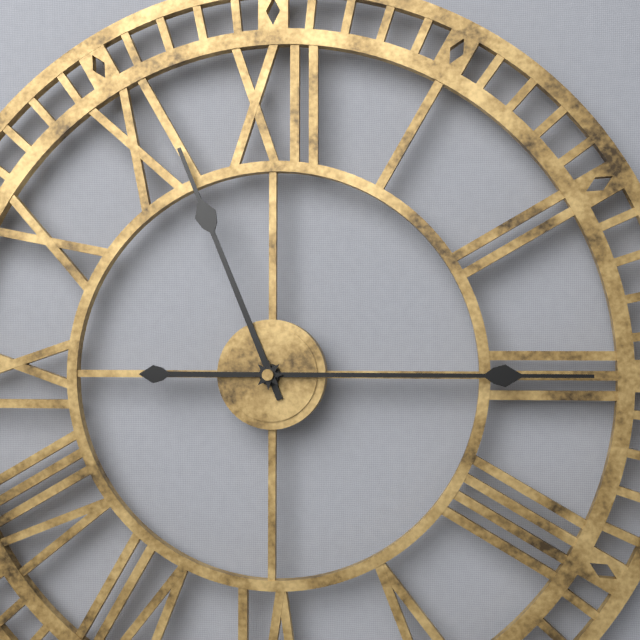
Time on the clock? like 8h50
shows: 11h15
